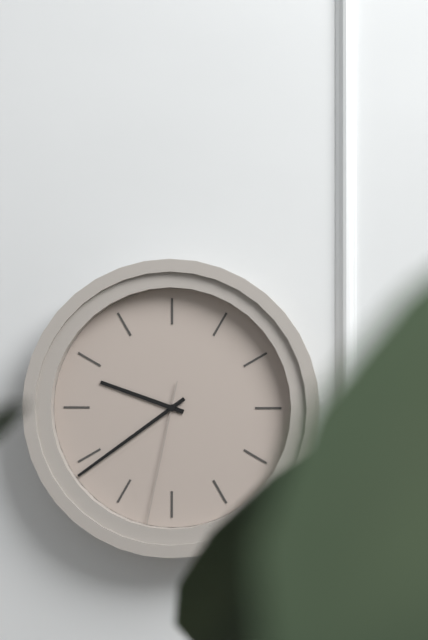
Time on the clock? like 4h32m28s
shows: 9h39m32s
